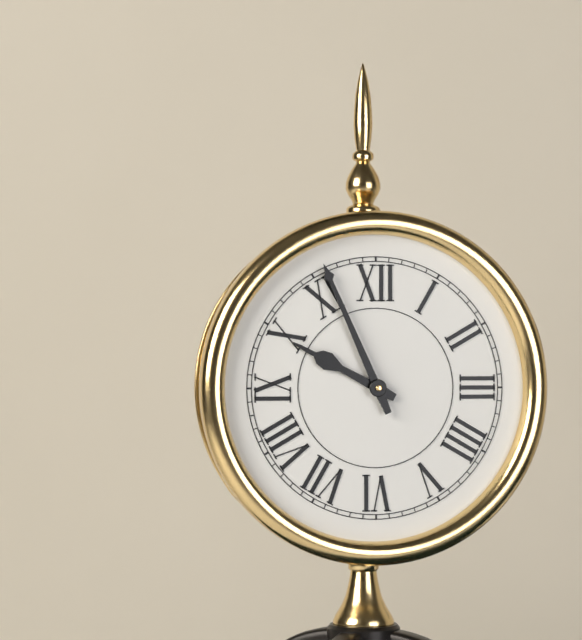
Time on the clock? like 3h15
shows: 9h56
